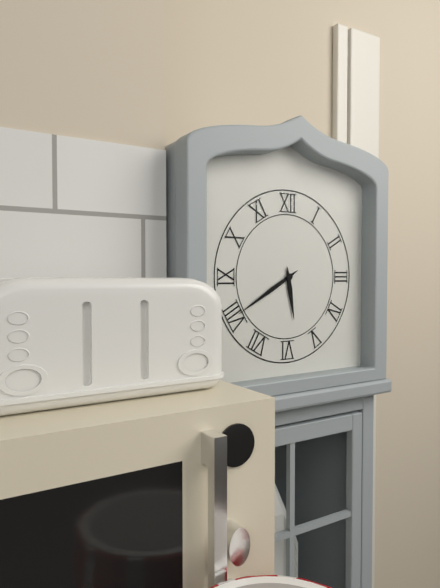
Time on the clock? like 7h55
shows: 5h40
